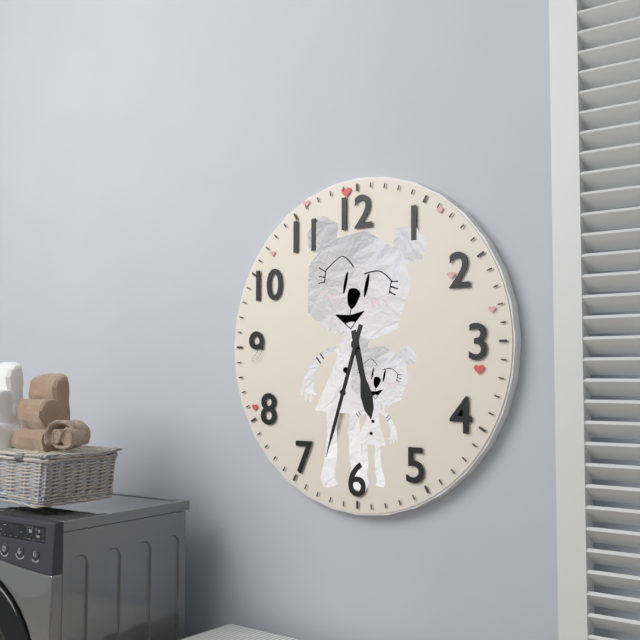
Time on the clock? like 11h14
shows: 5h33
